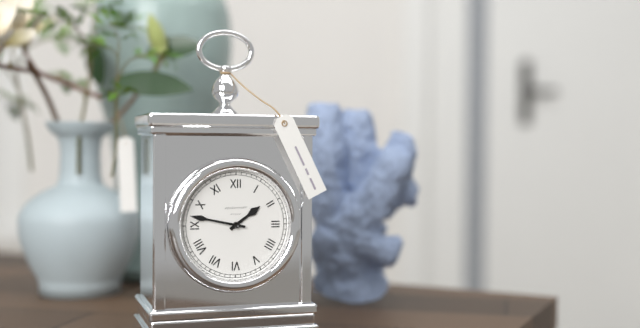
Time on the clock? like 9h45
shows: 1h47
